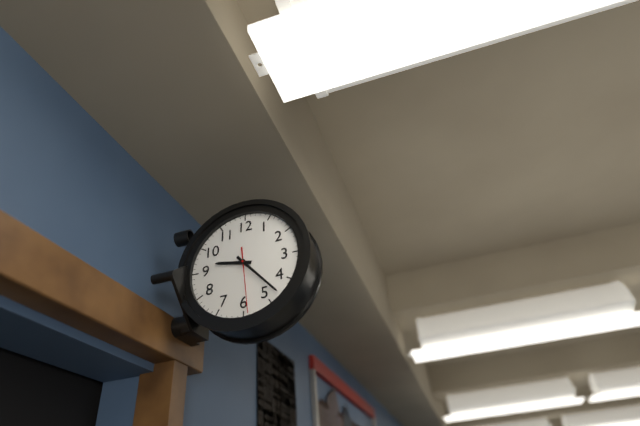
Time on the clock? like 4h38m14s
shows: 9h23m29s
